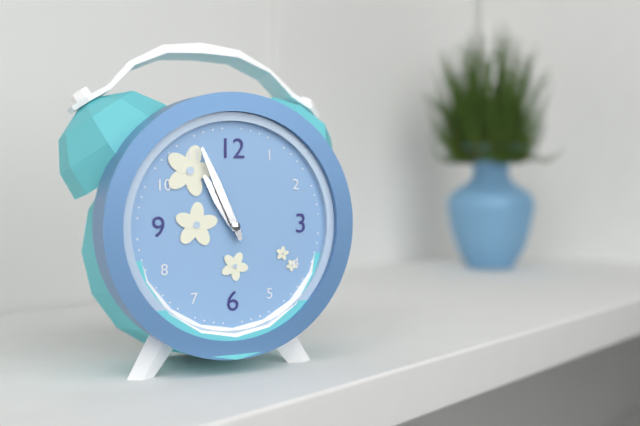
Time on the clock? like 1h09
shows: 10h56
